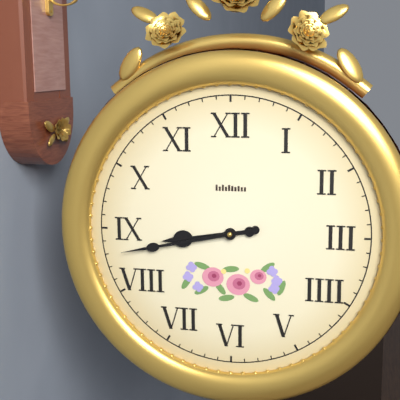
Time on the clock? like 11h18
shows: 8h43
